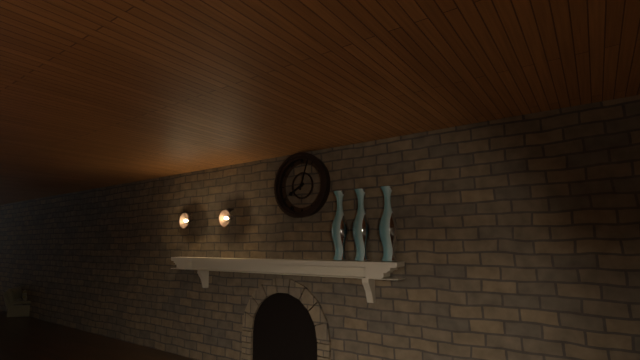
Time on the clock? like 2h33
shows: 8h03
